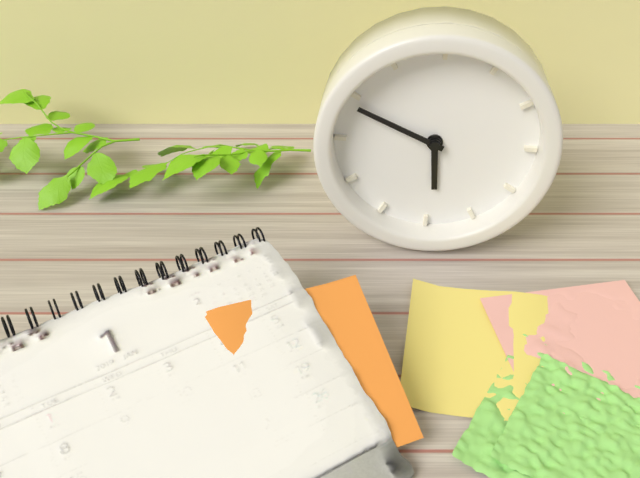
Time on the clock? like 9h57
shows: 5h49
